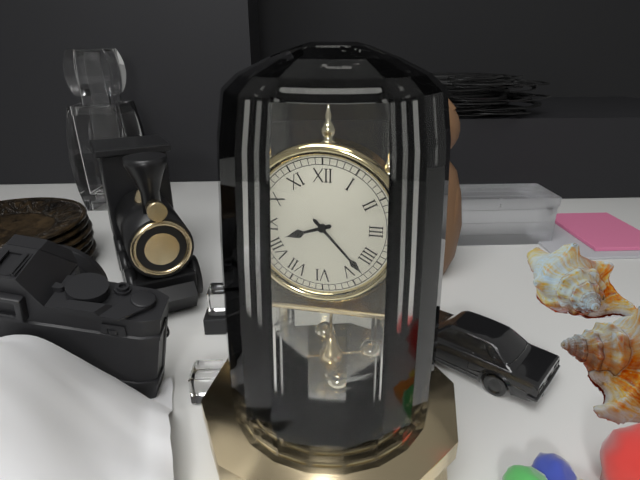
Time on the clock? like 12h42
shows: 8h23
